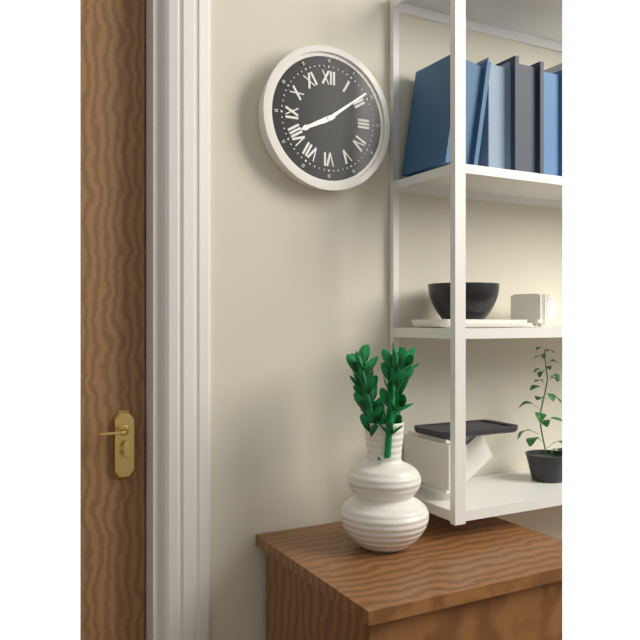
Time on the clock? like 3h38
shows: 8h09
